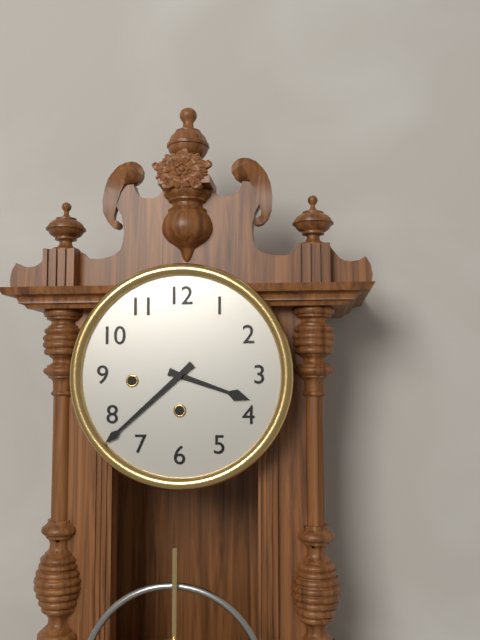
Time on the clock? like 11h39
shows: 3h38
